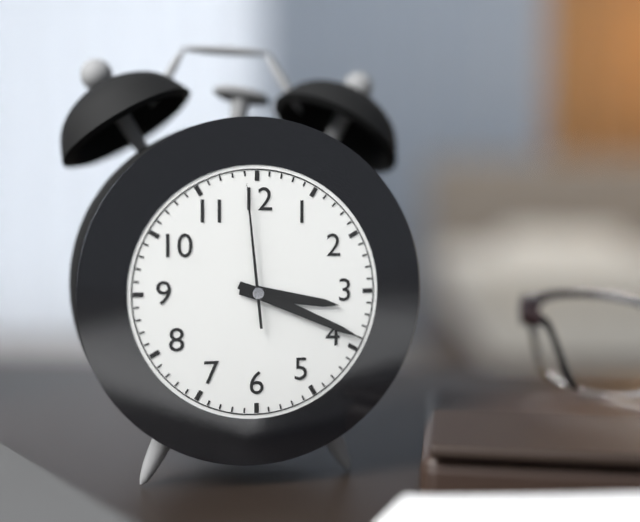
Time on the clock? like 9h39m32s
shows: 3h19m59s
